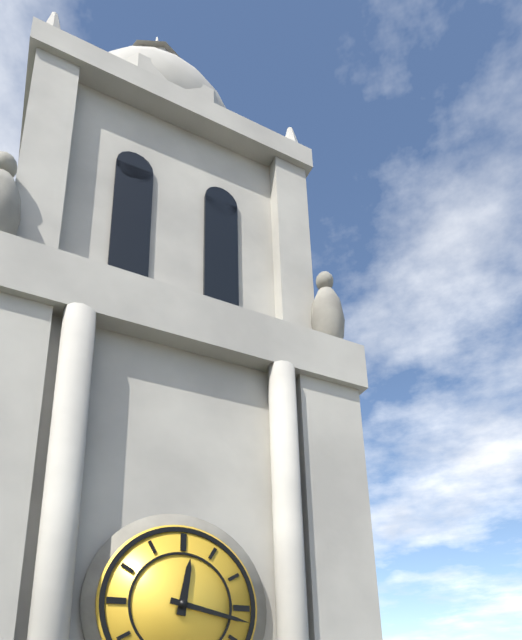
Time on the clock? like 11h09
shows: 12h17
